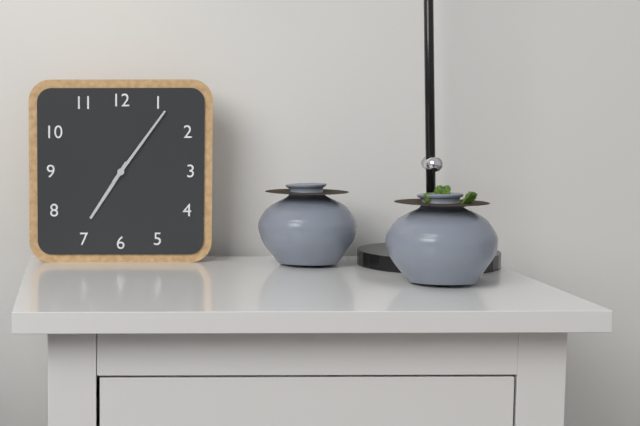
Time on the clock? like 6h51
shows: 7h06
